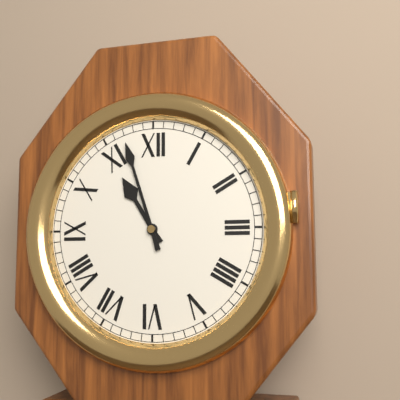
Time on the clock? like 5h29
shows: 10h57
